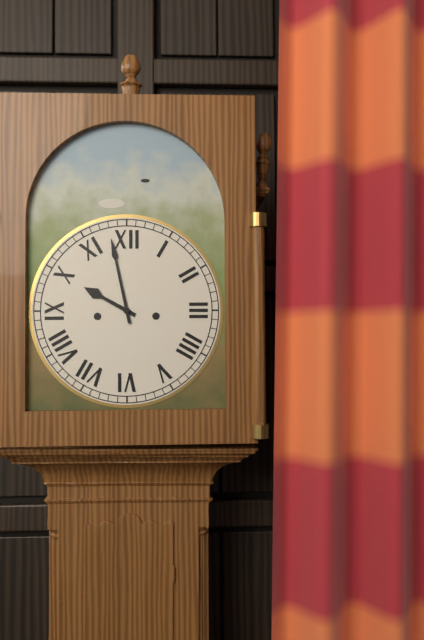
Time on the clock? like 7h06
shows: 9h58
